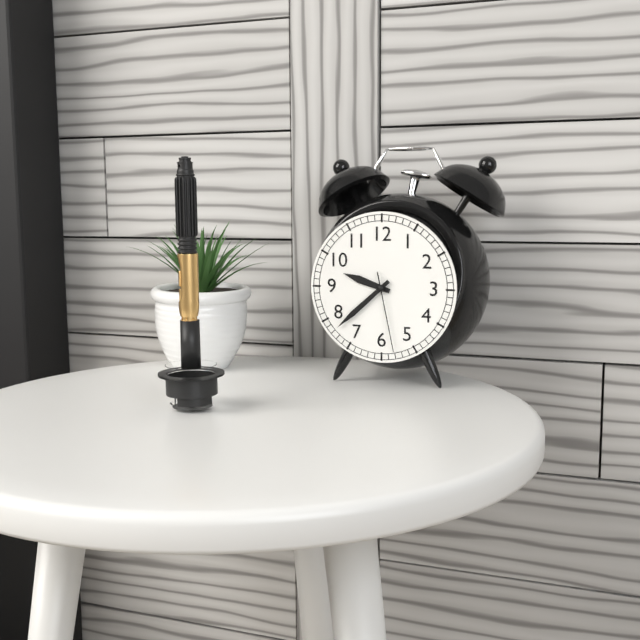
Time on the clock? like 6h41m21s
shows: 9h38m28s
